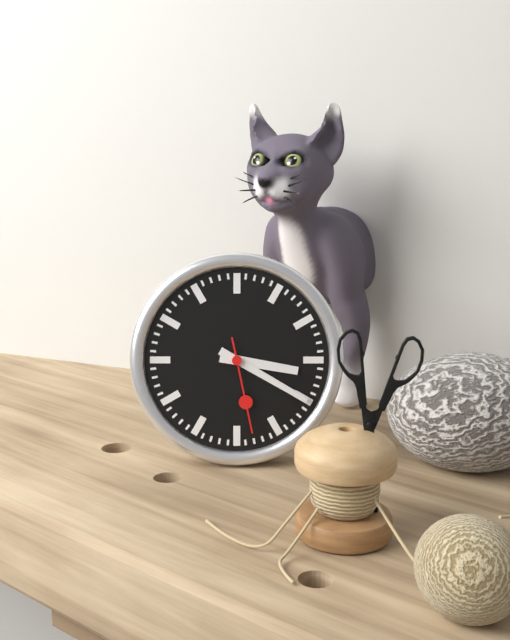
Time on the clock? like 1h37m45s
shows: 3h20m28s
